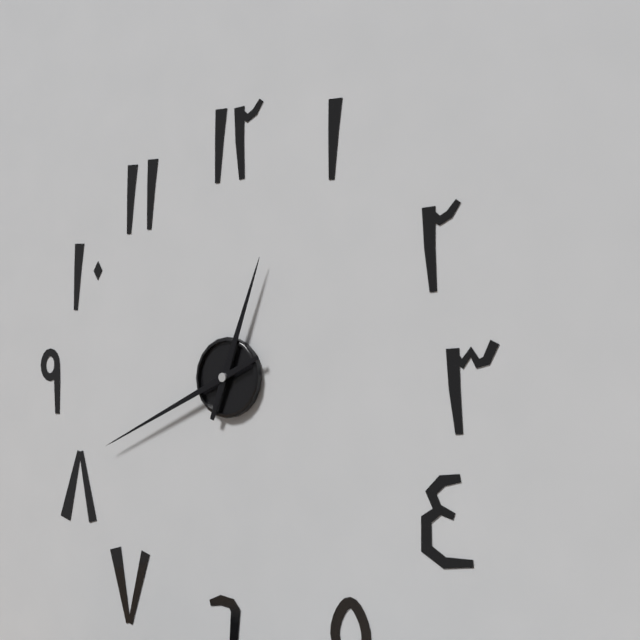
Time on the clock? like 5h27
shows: 12h41
